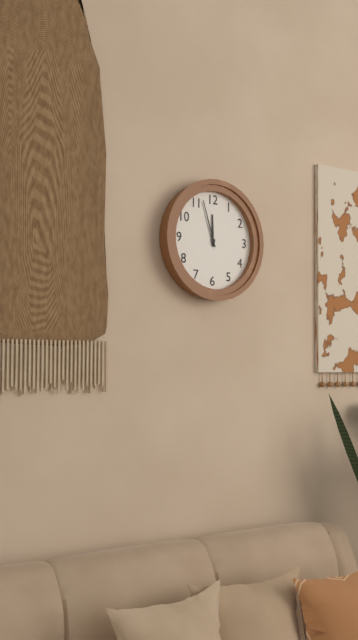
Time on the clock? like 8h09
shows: 11h57
